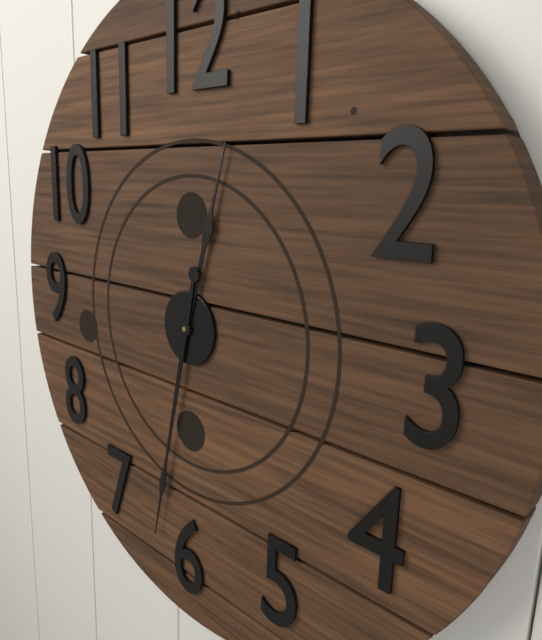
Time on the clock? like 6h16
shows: 12h32
